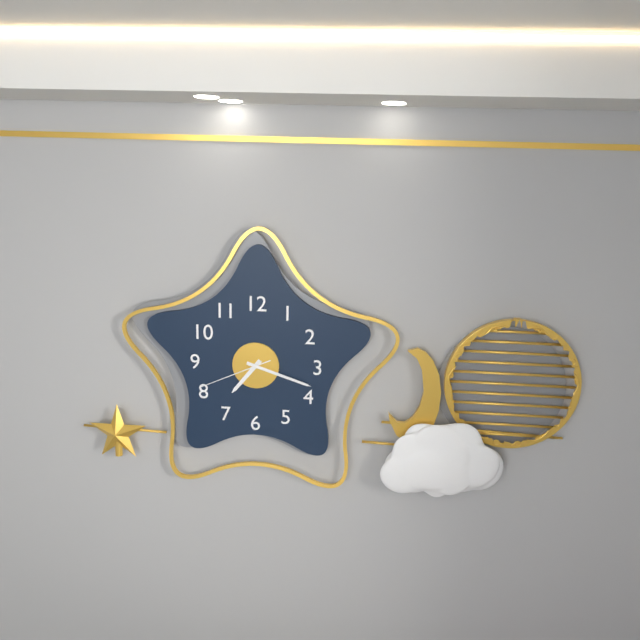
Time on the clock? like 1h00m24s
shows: 7h18m41s
